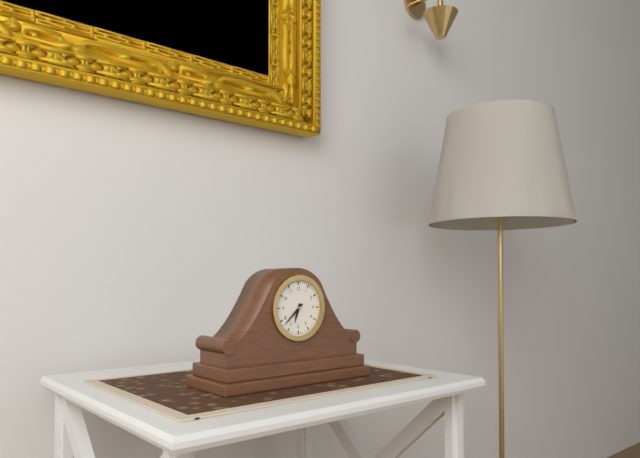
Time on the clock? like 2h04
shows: 6h38
